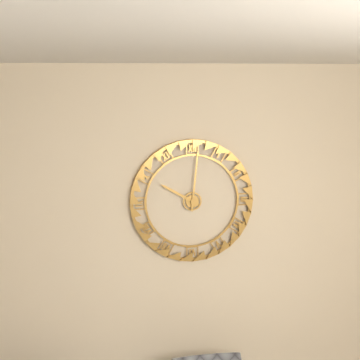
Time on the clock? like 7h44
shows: 10h01
